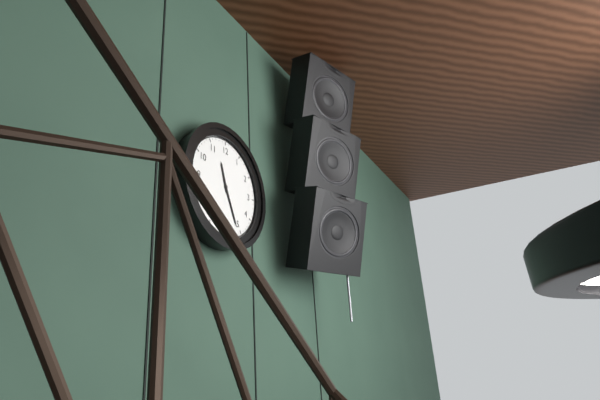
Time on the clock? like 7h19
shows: 11h26
